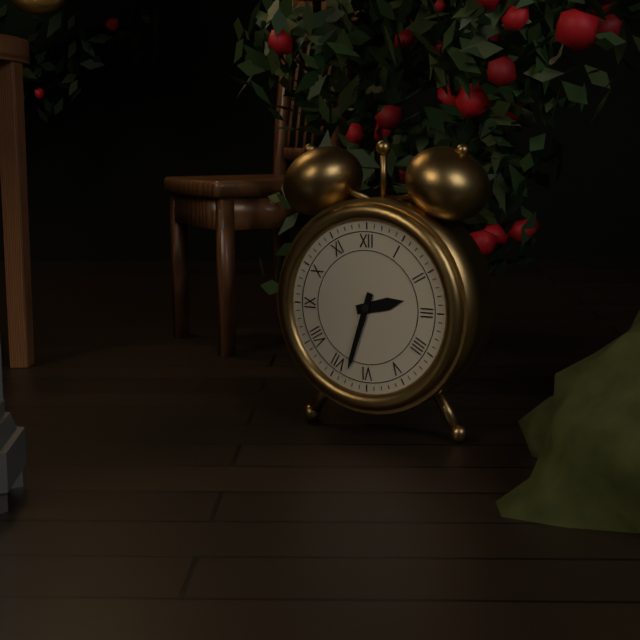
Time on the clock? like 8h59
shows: 2h33
